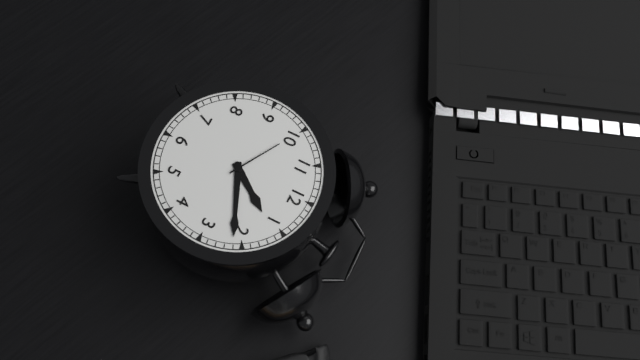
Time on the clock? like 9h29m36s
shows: 1h11m50s
